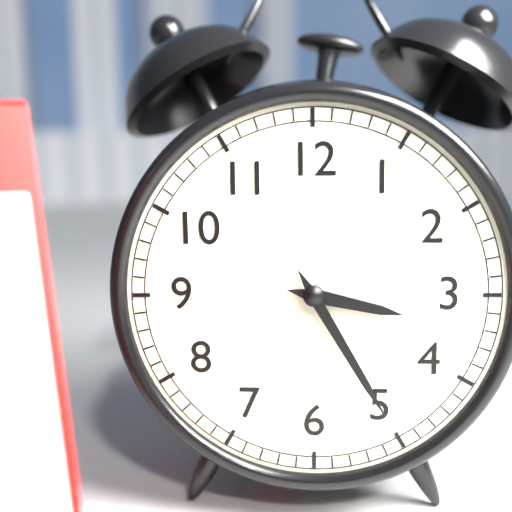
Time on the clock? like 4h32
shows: 3h25
